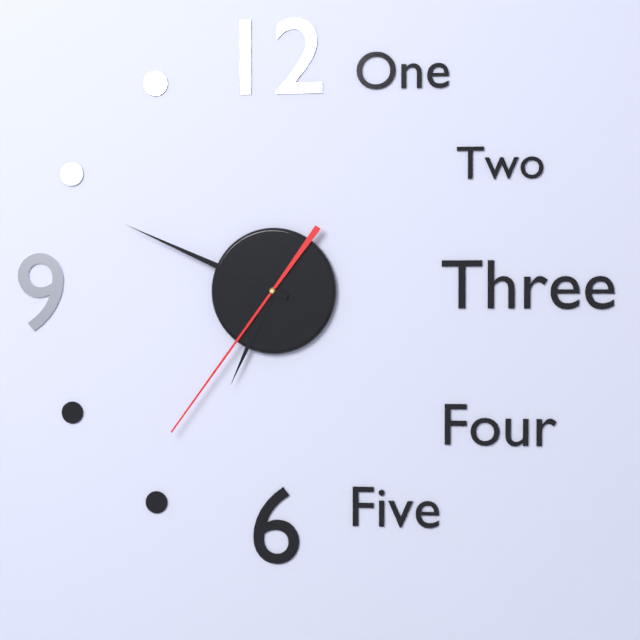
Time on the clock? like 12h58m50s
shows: 6h49m36s
